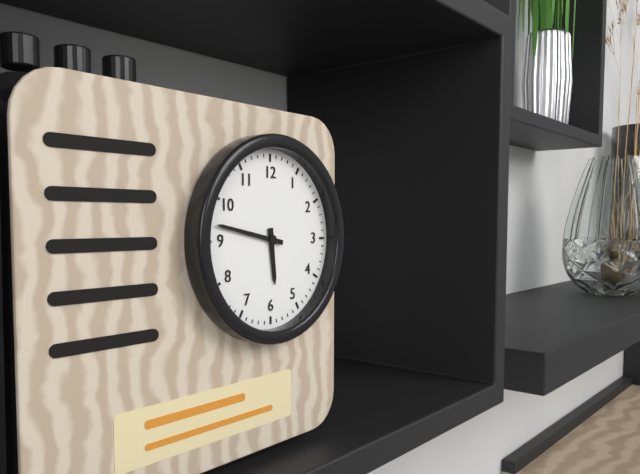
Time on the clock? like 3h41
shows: 5h47
